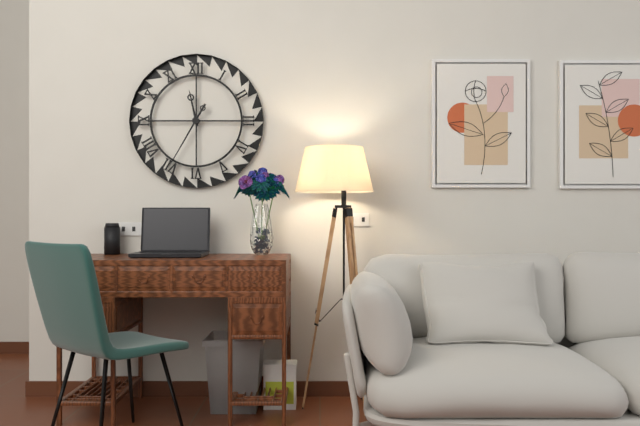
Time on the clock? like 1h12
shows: 11h35
